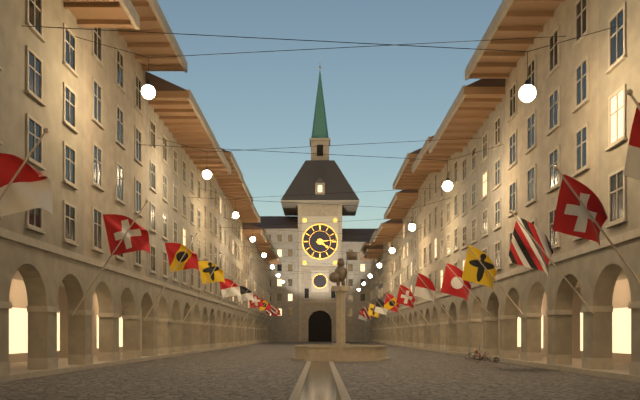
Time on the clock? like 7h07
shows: 4h14
